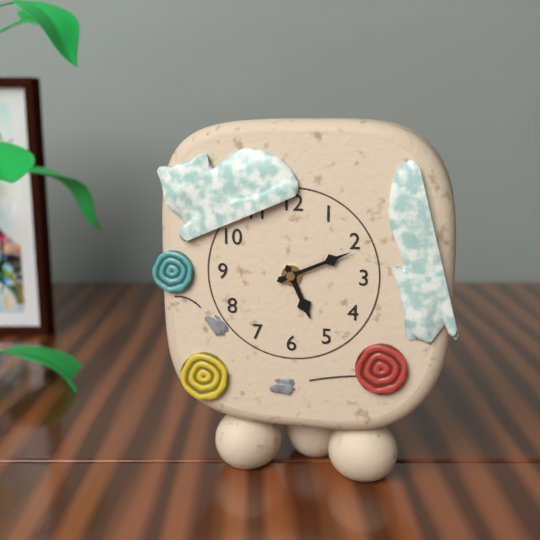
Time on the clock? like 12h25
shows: 5h11
